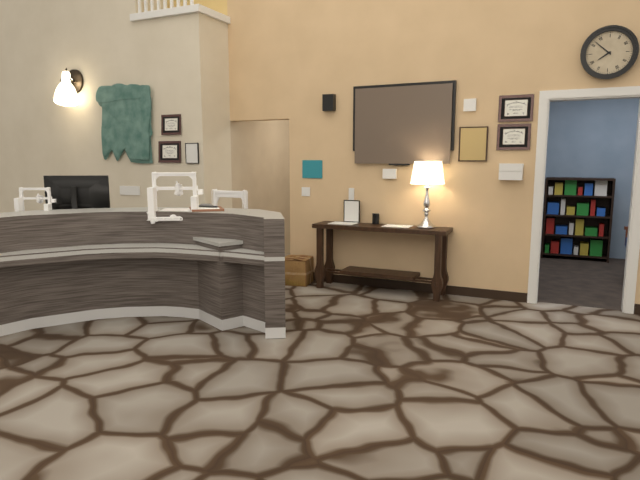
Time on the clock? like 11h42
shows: 7h52
